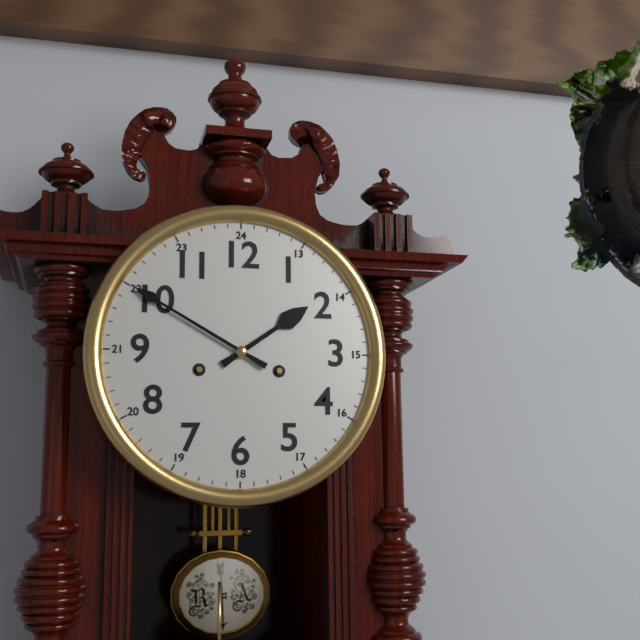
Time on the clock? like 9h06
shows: 1h50
